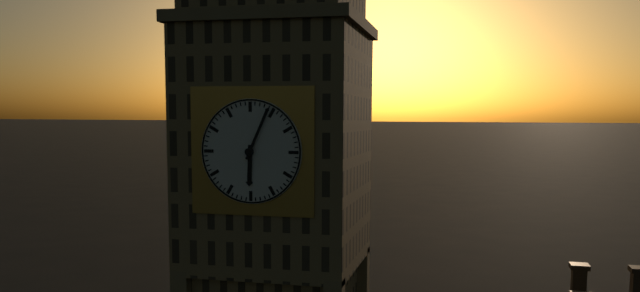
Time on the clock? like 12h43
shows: 6h04
